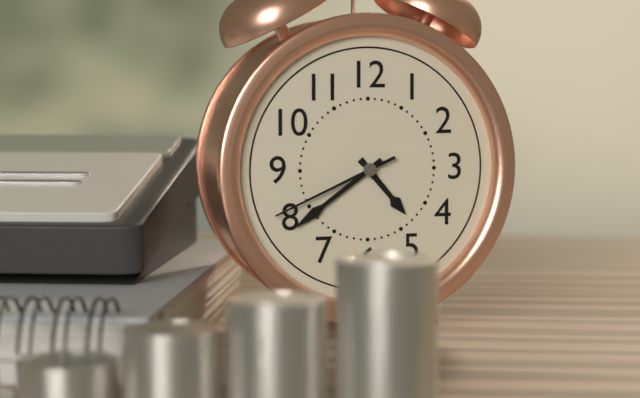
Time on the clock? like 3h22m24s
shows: 4h39m41s
